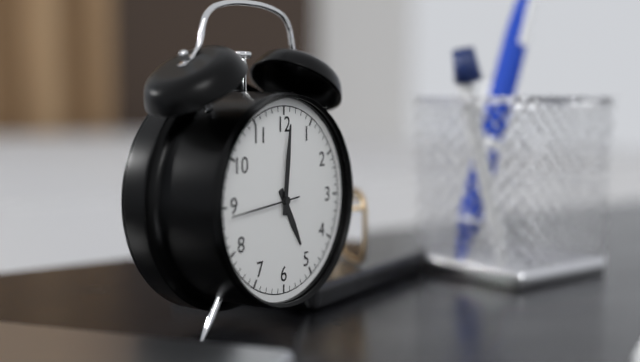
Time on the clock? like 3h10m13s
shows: 5h01m44s
